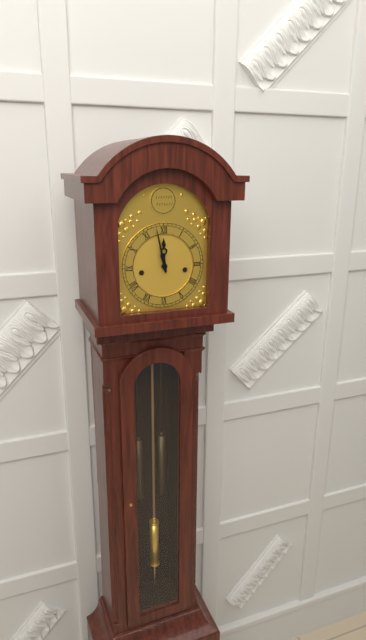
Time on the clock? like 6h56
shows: 11h58
